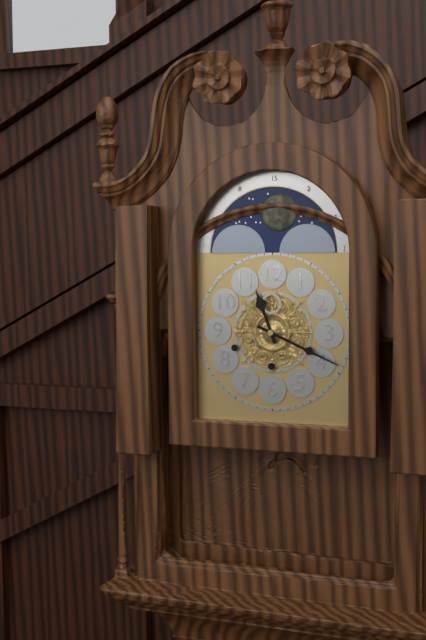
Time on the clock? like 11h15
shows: 11h19
